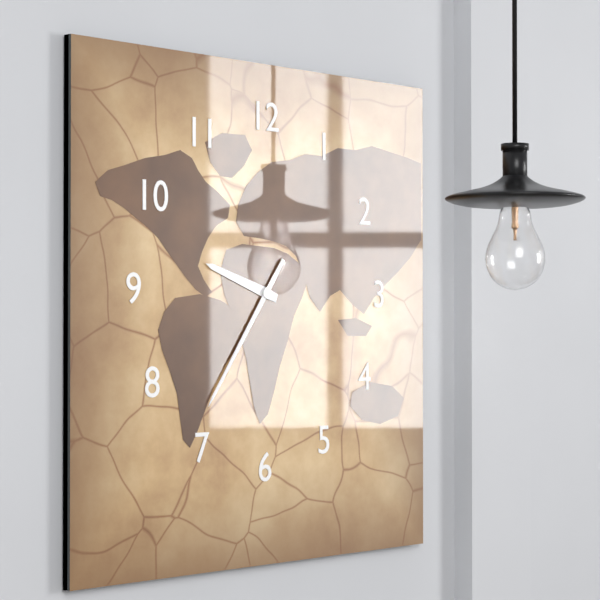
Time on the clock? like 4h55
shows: 9h36
